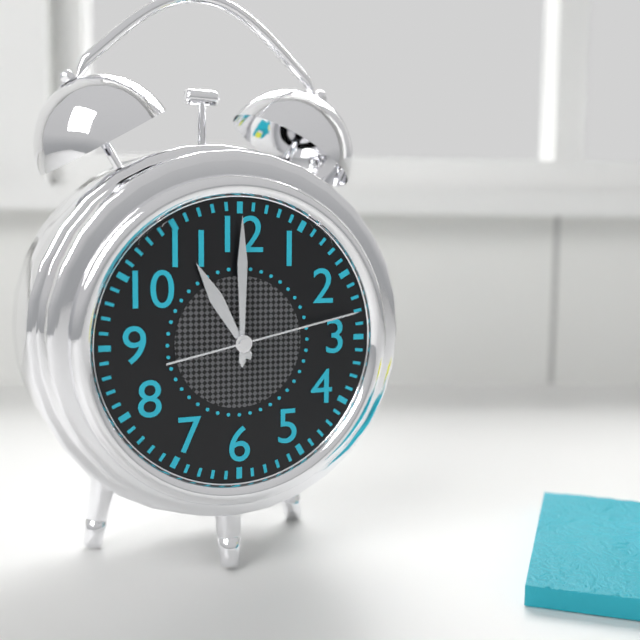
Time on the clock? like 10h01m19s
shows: 11h00m13s
